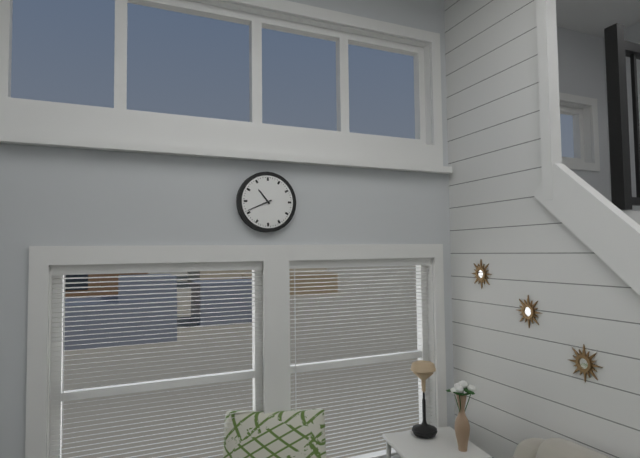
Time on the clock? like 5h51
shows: 10h41
